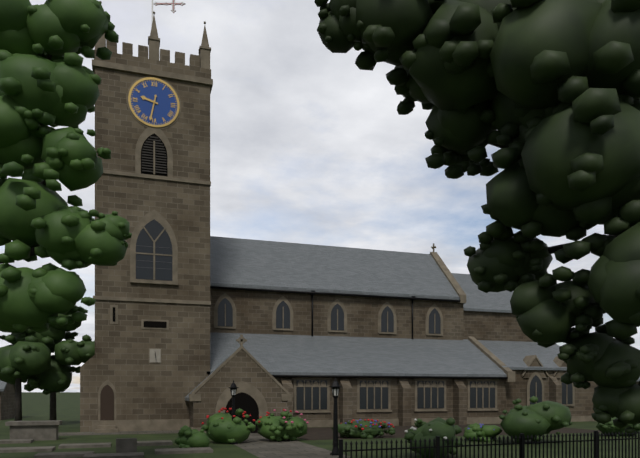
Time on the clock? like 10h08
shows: 9h32
